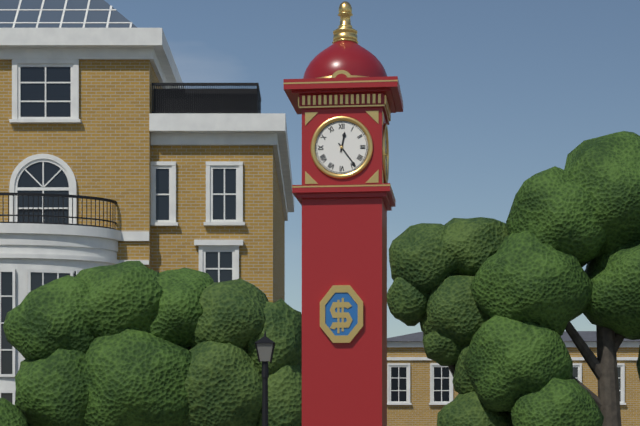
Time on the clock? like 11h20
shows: 12h24
